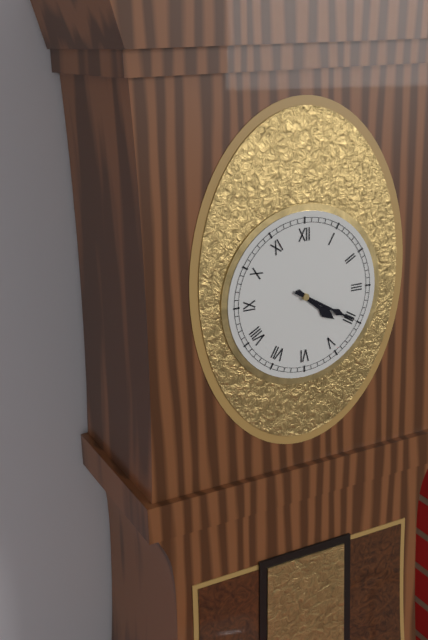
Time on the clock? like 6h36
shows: 4h20
